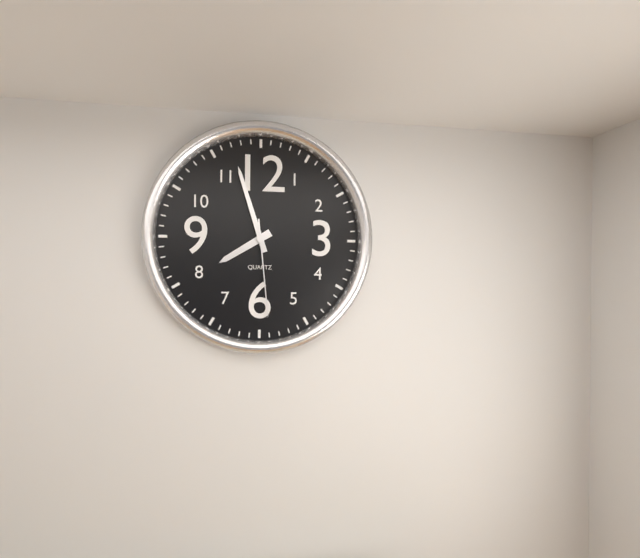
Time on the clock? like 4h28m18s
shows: 7h57m29s
